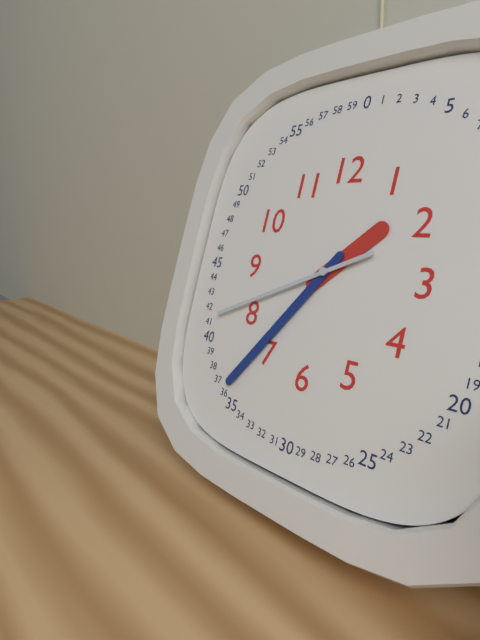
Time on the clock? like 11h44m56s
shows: 1h36m41s
